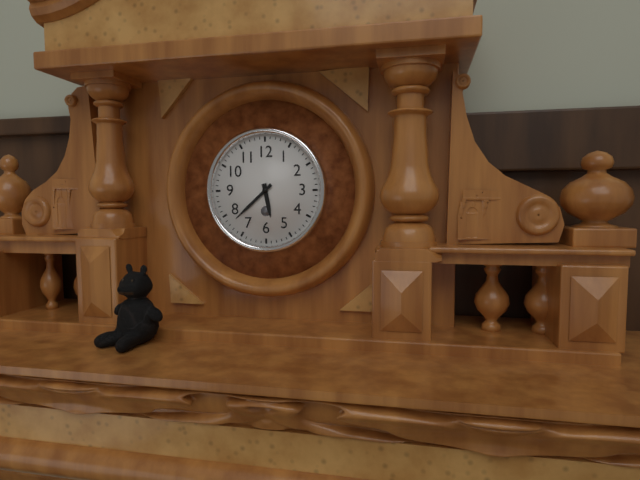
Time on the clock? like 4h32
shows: 5h38
